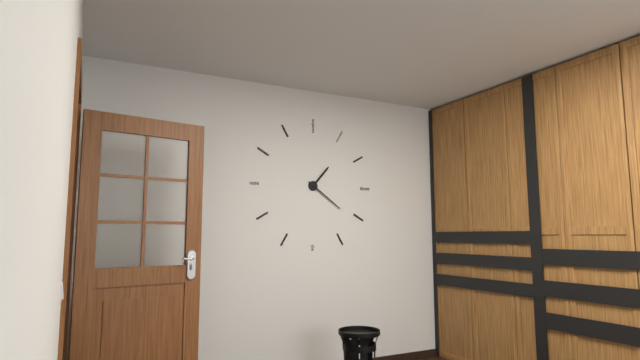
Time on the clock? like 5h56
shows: 1h21
